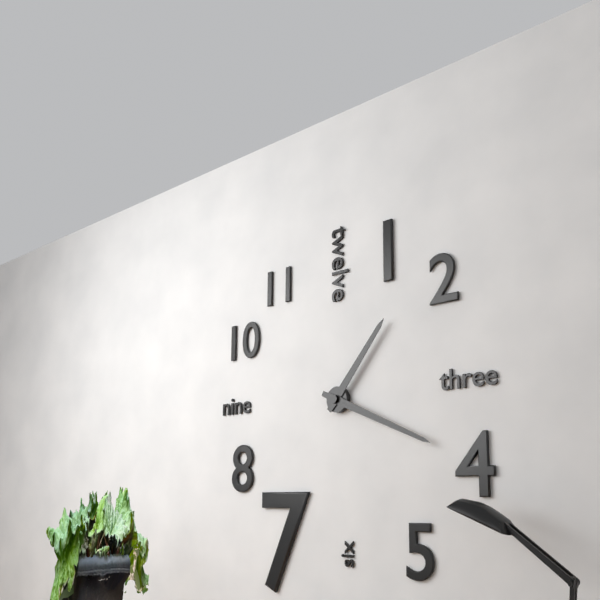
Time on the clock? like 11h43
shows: 1h19
